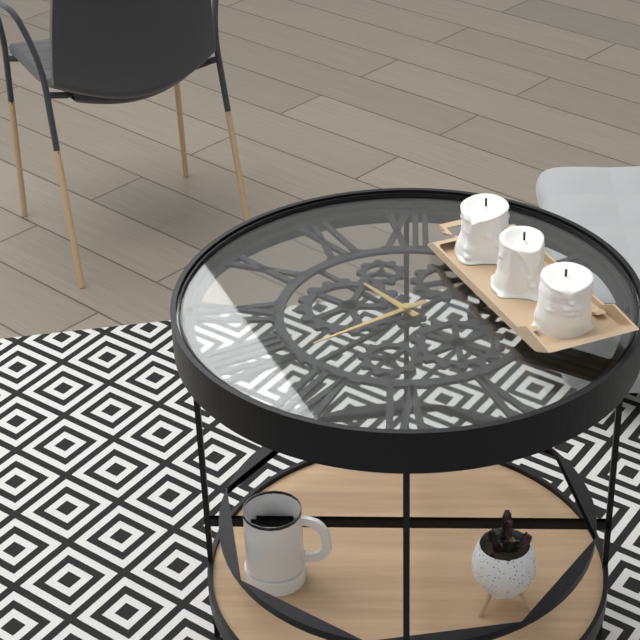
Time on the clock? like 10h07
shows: 10h39
